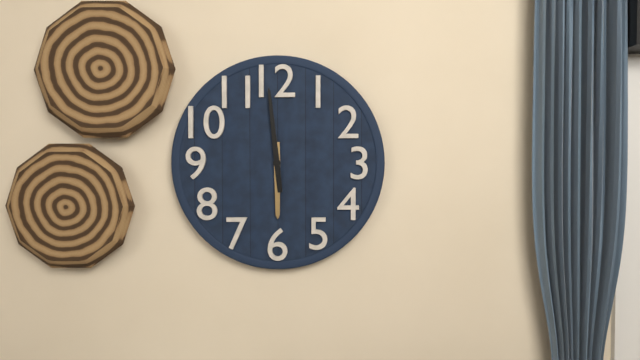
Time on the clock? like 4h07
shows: 5h59
